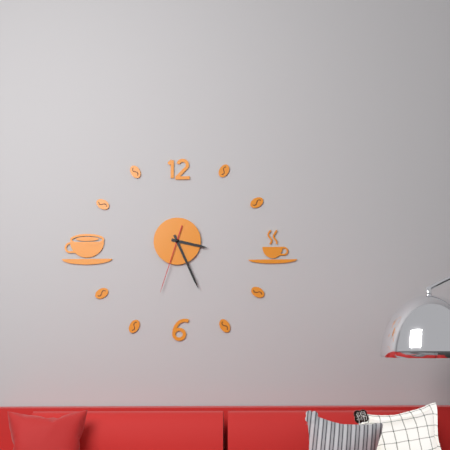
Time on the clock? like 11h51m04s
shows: 3h26m33s
